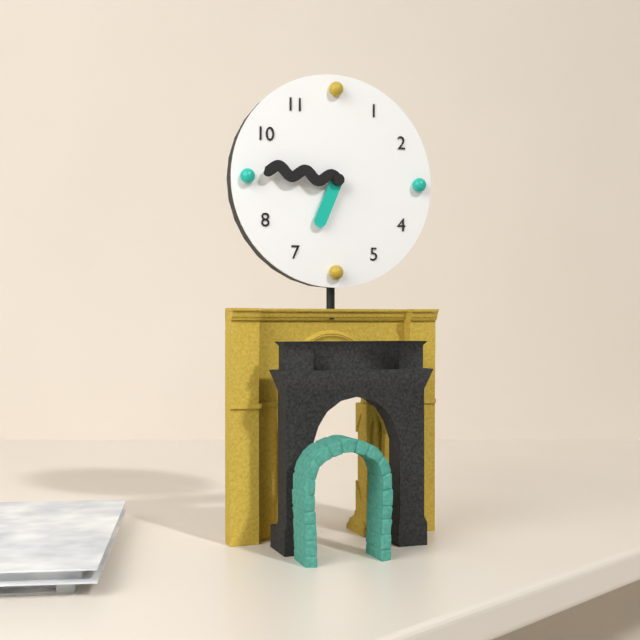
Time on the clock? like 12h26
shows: 6h46
